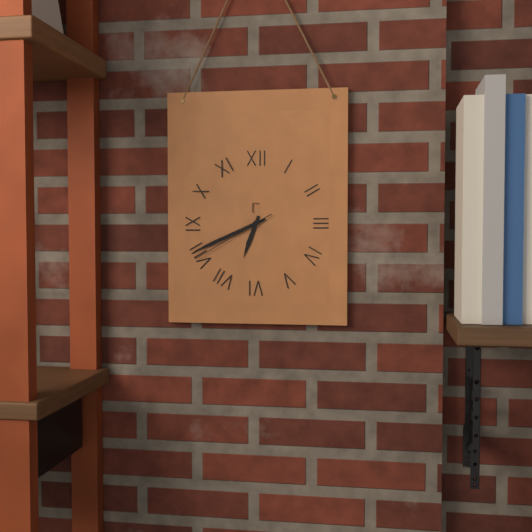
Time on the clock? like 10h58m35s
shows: 6h41m40s
